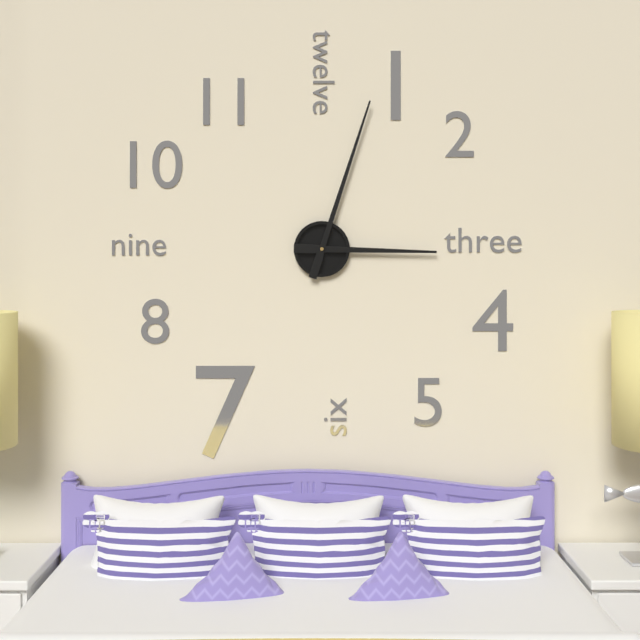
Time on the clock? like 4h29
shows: 3h03
